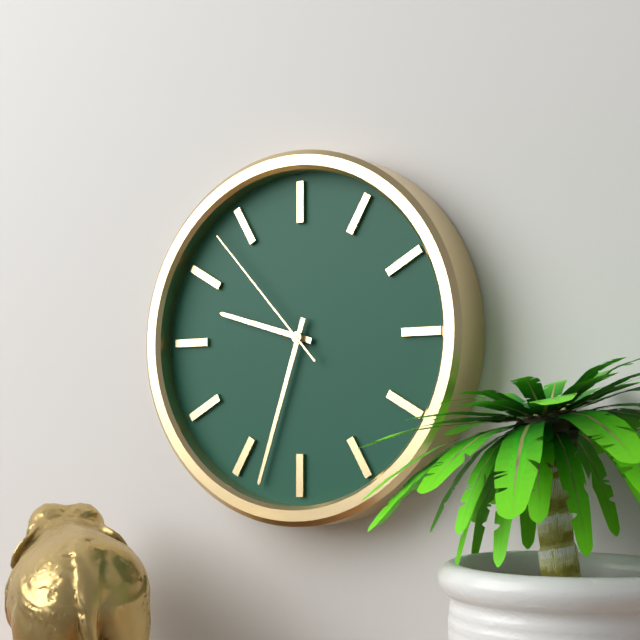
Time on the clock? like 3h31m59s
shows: 9h33m53s
